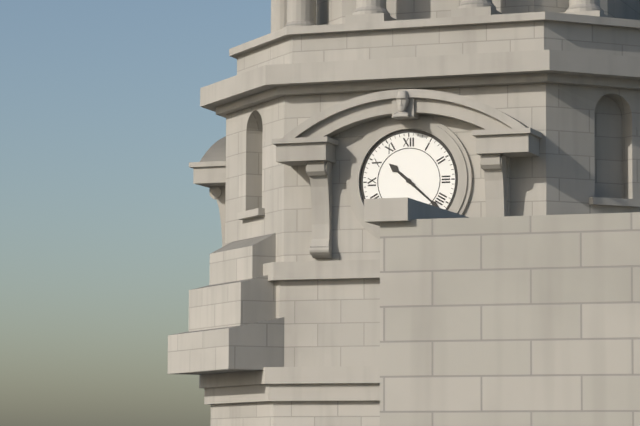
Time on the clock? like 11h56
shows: 10h22
